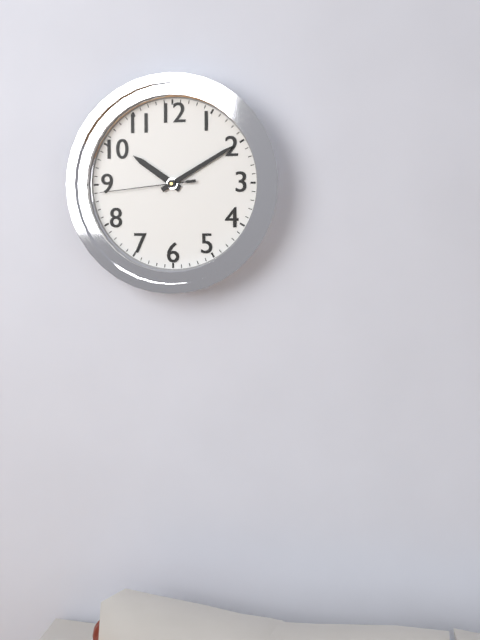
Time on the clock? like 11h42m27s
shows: 10h10m44s
